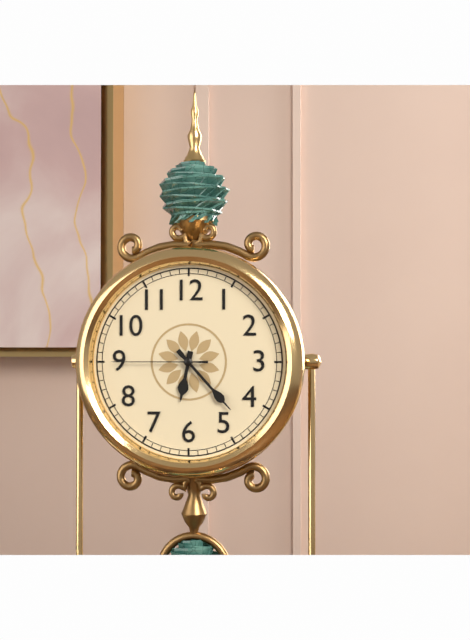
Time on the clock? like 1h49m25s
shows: 6h23m45s
